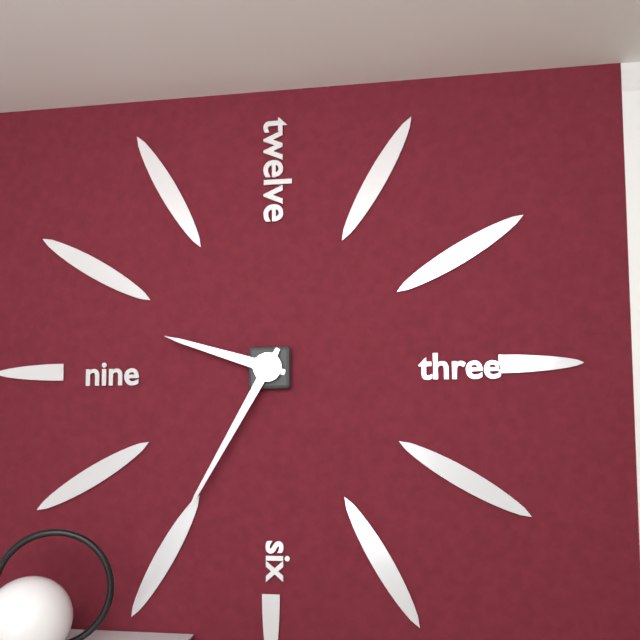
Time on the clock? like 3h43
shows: 9h35
